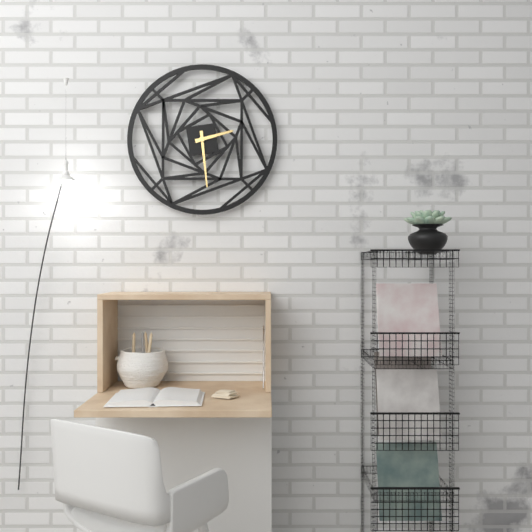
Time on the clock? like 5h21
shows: 2h29
